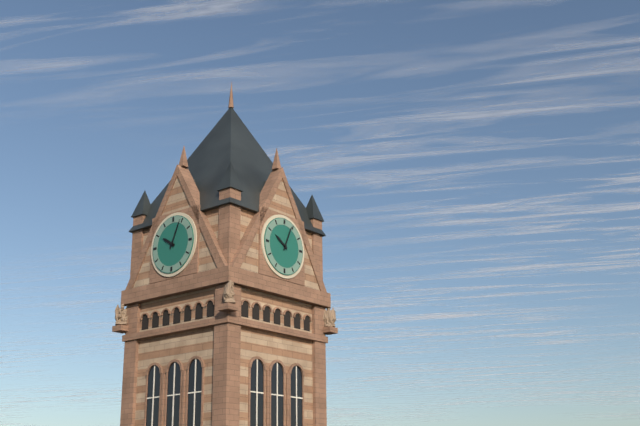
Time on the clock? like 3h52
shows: 10h04
